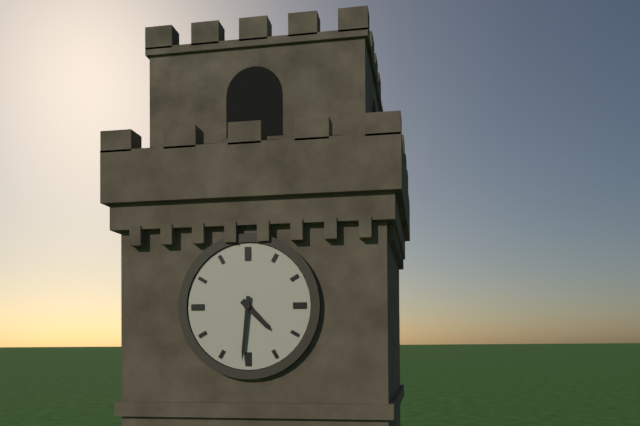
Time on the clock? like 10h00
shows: 4h31
